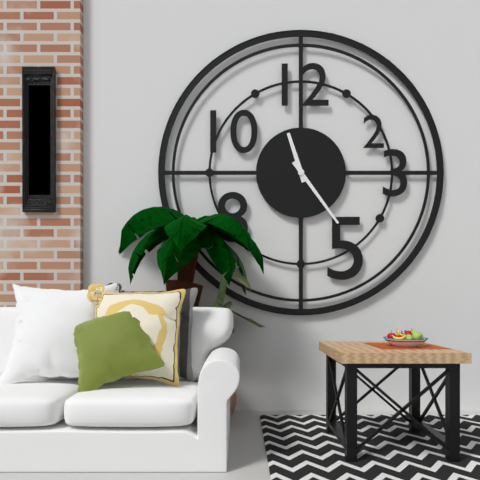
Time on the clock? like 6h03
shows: 11h24
